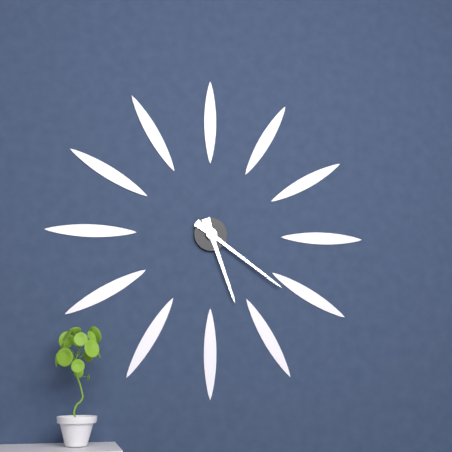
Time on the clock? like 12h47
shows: 5h21
